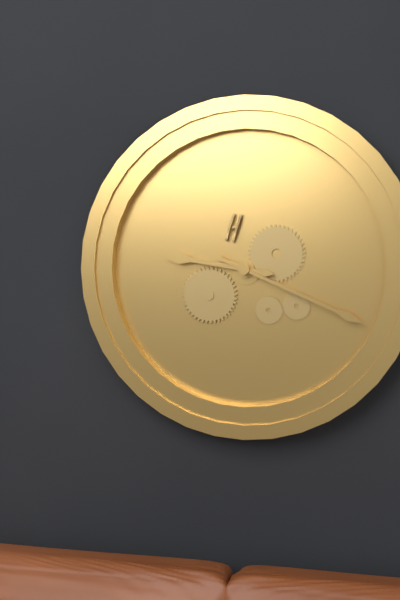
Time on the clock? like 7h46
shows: 9h19
